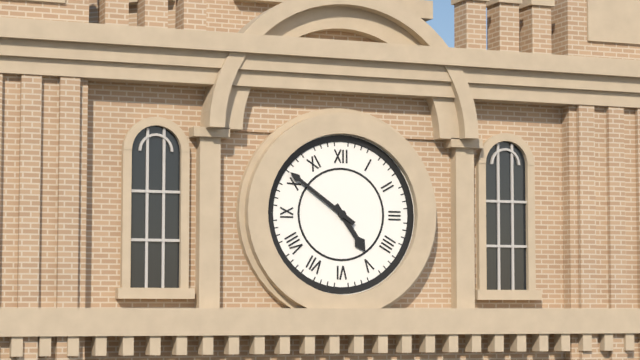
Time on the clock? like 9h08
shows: 4h51
